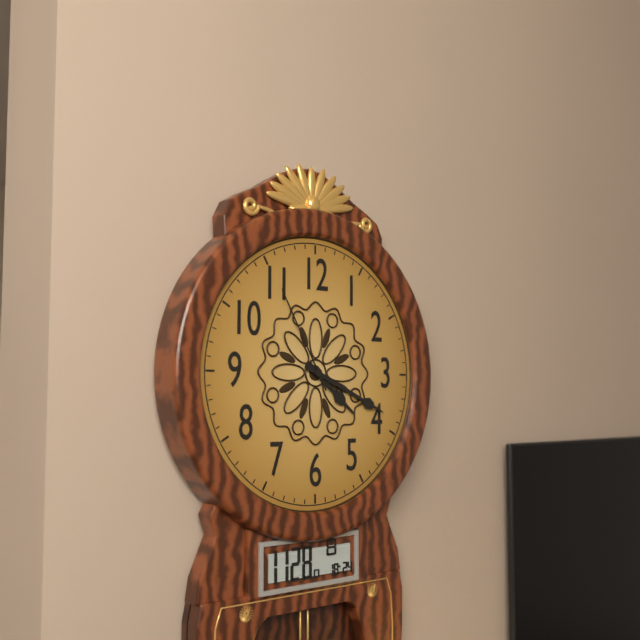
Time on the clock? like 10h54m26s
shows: 4h19m55s
